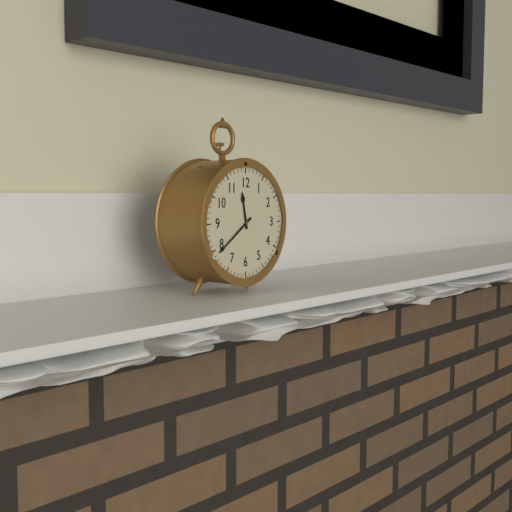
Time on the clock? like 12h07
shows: 11h39
